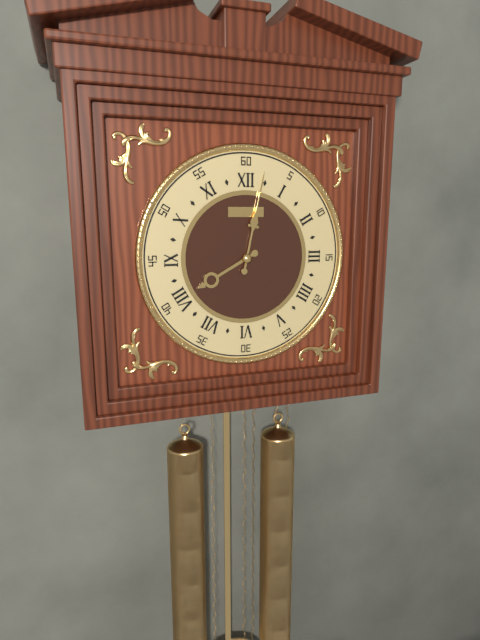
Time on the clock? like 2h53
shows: 8h02
